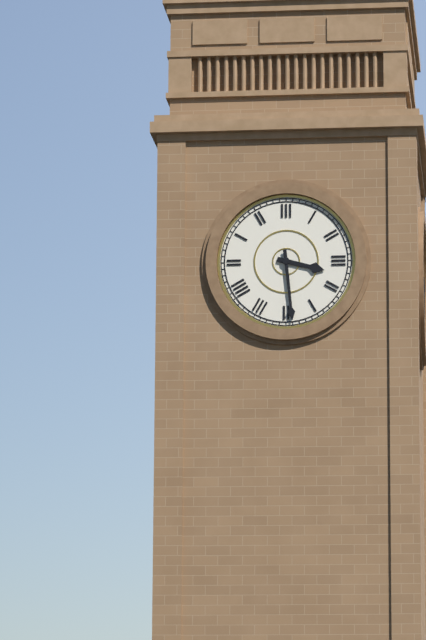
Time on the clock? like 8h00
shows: 3h29
